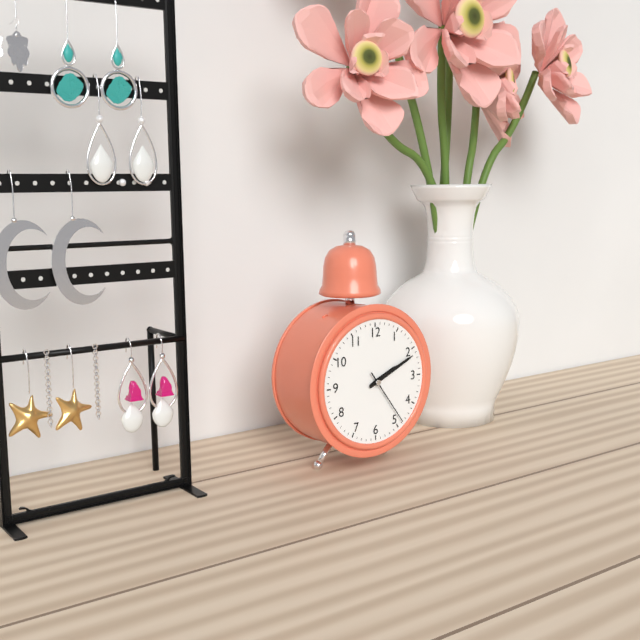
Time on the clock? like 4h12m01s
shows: 2h11m24s
